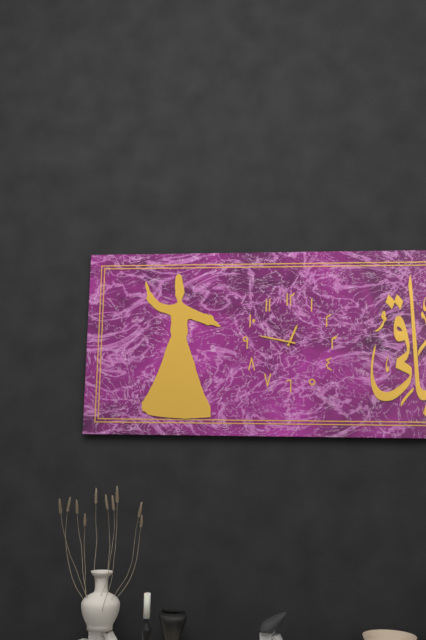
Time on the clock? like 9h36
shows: 12h47
